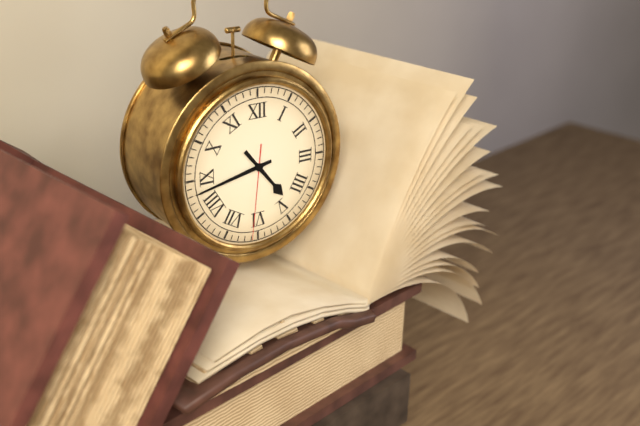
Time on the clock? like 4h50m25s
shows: 4h43m31s
